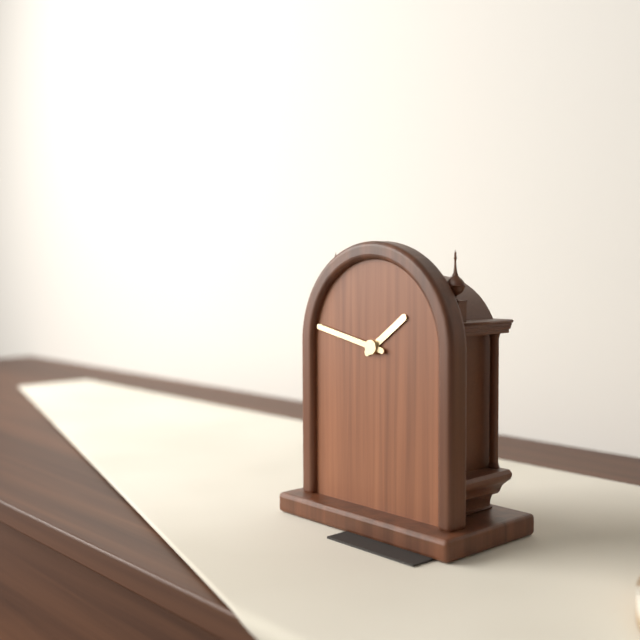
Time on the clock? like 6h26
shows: 1h47
